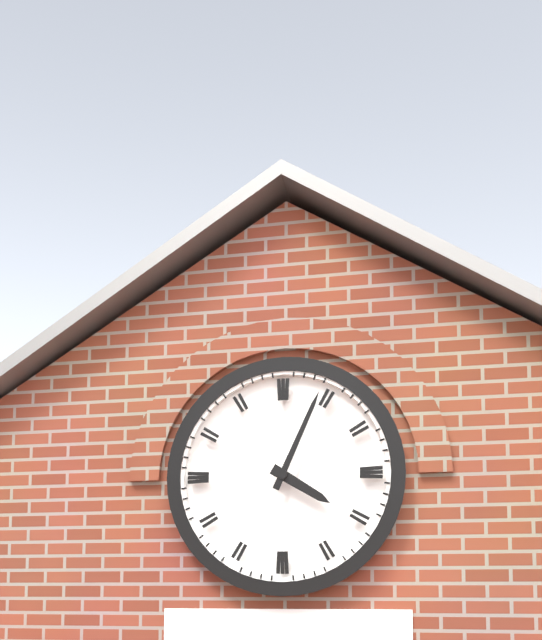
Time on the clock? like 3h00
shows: 4h04
